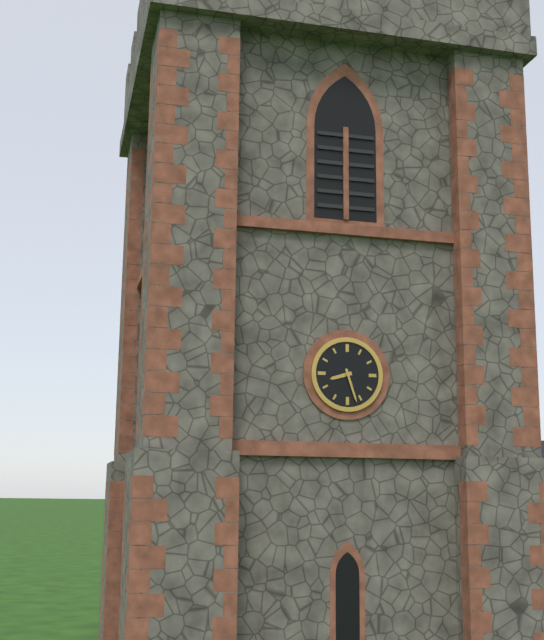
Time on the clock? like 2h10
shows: 8h27
